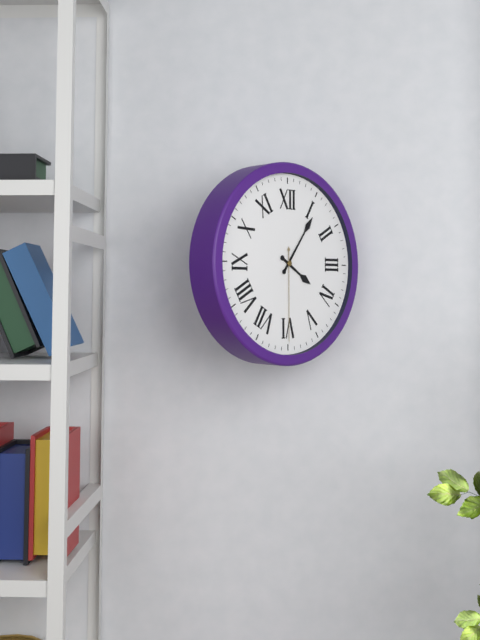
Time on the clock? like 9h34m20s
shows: 4h06m30s
